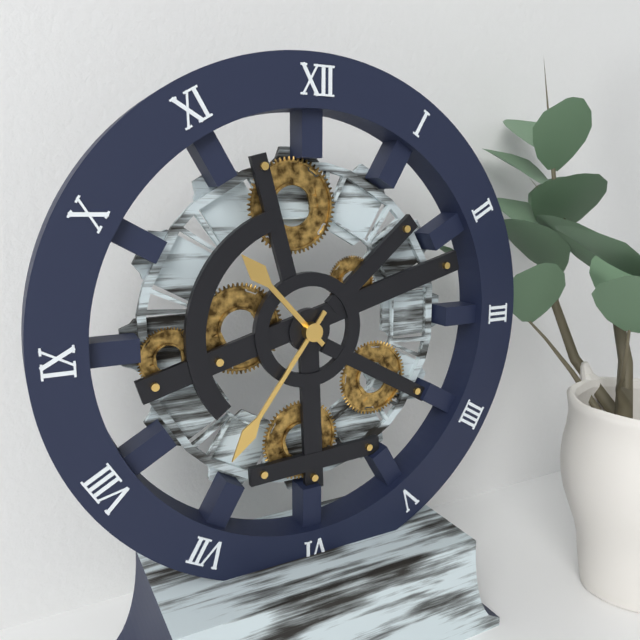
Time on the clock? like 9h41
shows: 10h36
